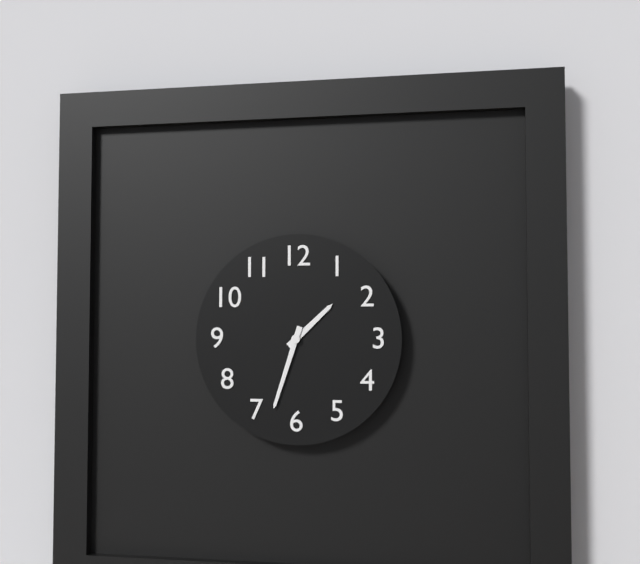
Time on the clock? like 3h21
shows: 1h33
